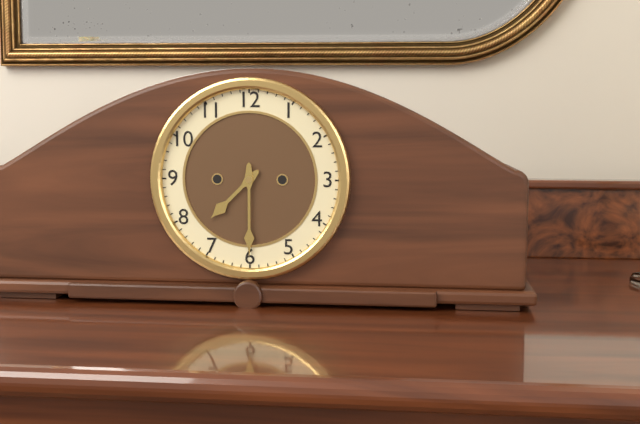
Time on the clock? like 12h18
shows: 7h30
